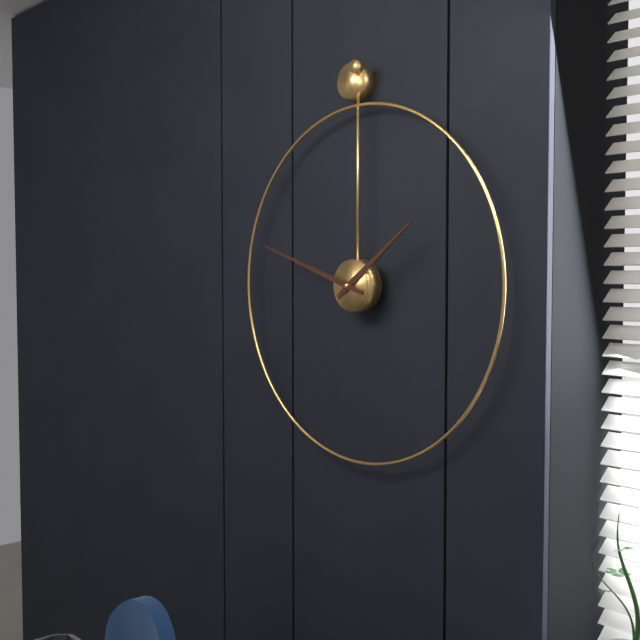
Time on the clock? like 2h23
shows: 1h48
